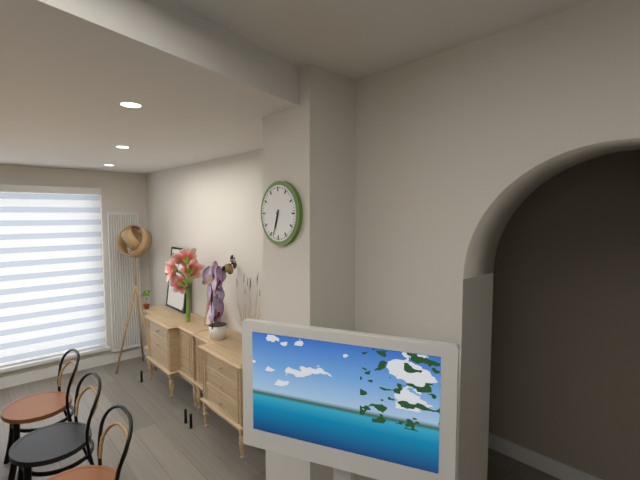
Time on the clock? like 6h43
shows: 6h33
